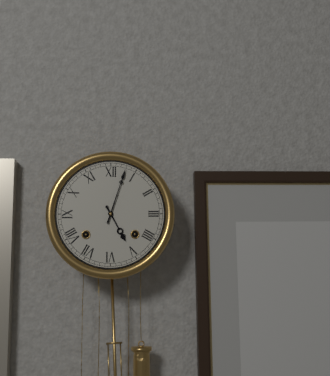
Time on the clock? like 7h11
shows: 5h03
